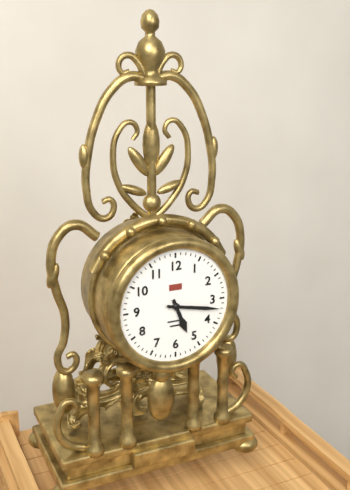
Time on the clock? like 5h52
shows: 5h17
